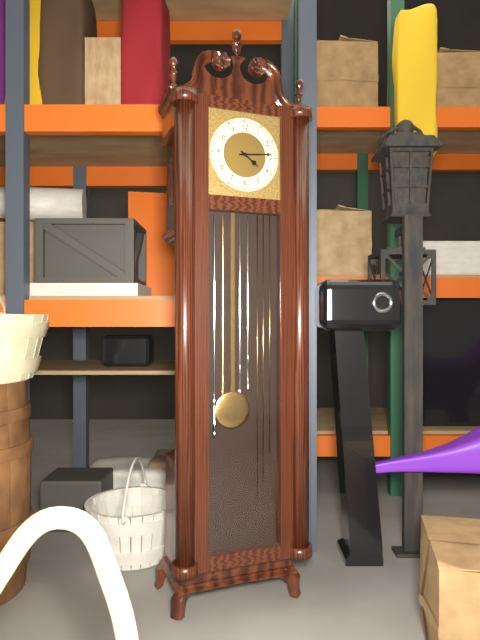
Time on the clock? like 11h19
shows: 4h14
